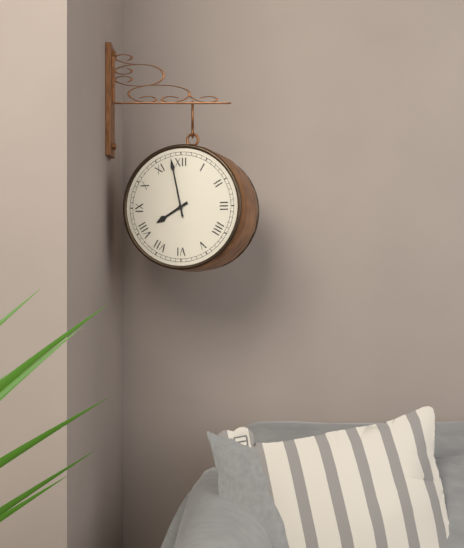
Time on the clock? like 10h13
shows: 7h58
